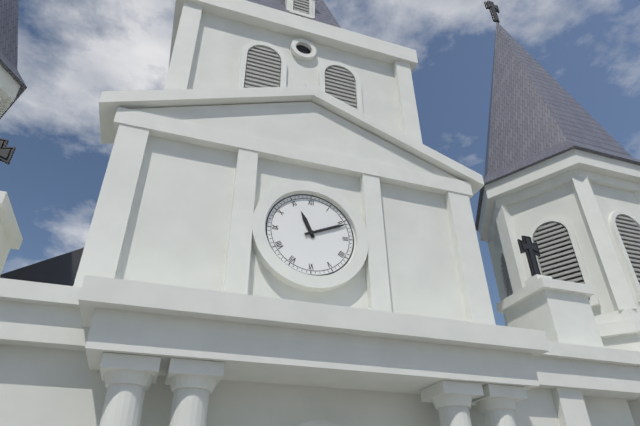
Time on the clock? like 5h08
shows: 11h11
